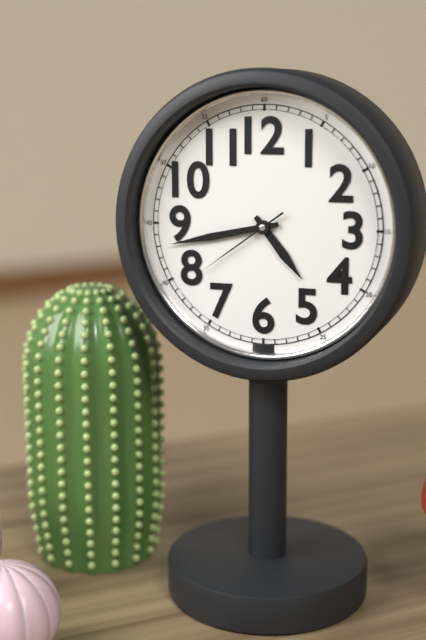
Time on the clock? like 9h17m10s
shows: 4h43m39s
